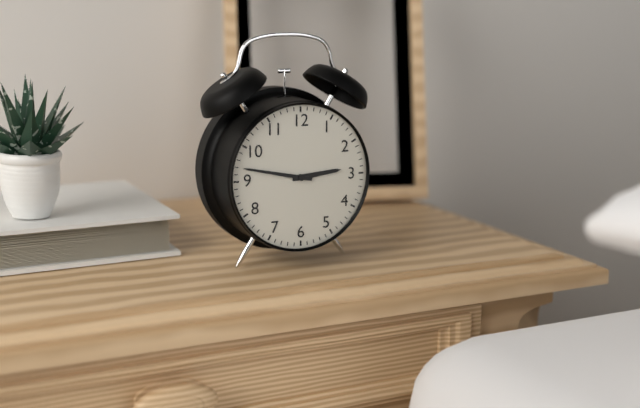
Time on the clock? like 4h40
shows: 2h47
